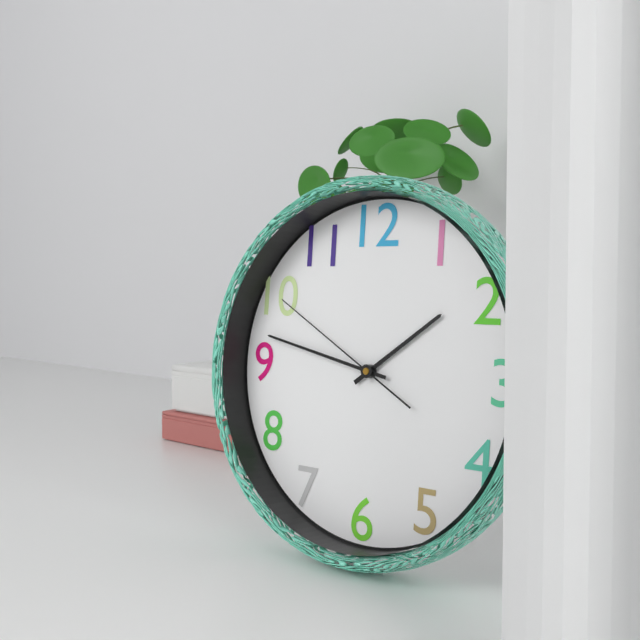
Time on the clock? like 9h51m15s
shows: 1h47m50s
